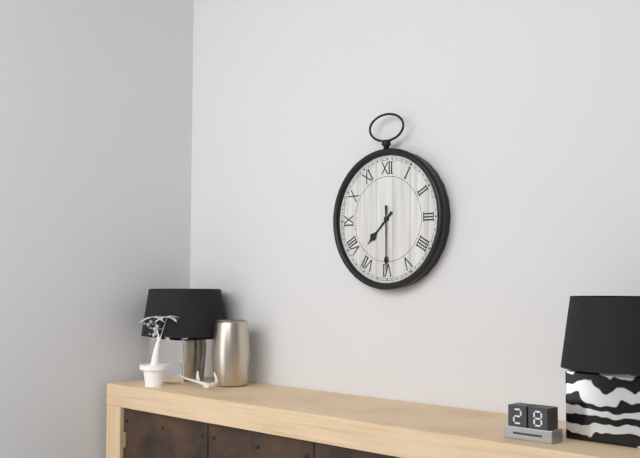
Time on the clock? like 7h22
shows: 7h30
